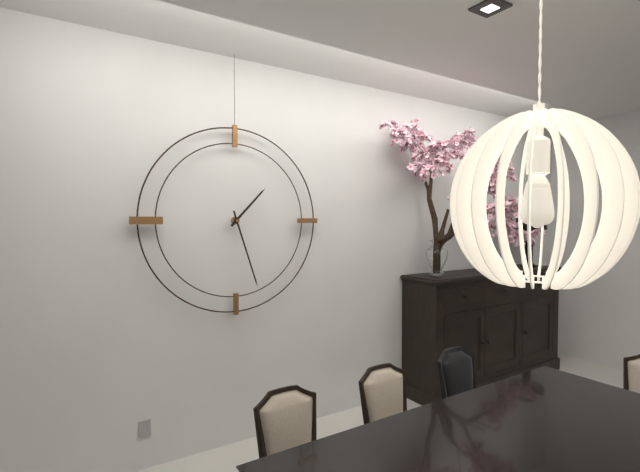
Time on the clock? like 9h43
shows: 1h27
